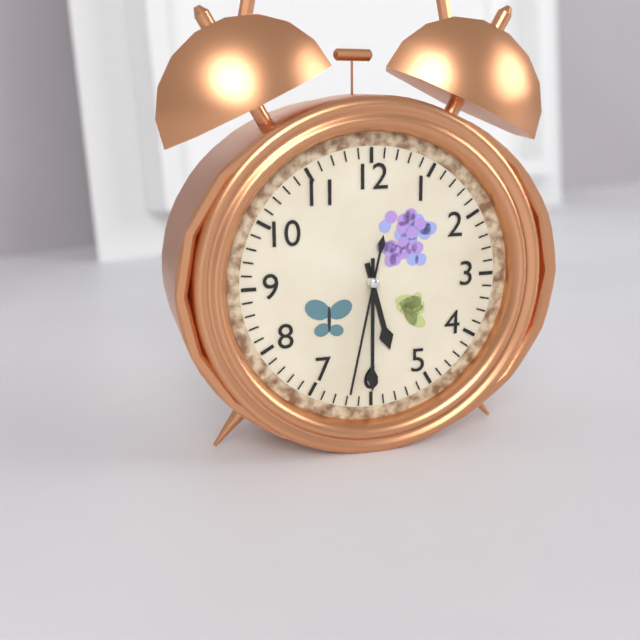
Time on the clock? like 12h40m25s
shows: 5h30m32s
